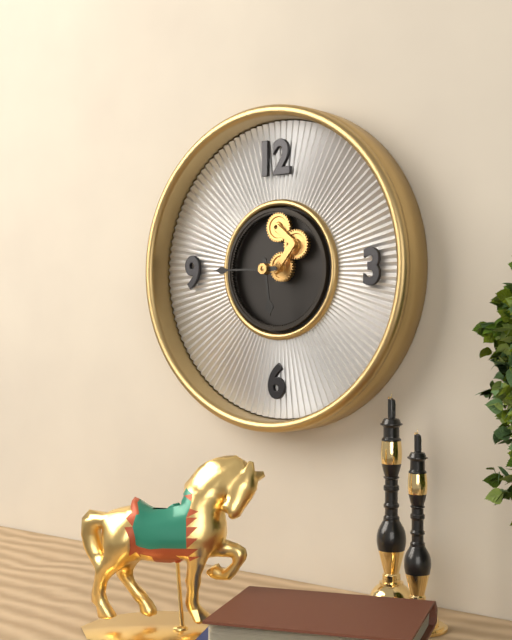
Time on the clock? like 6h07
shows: 5h45
